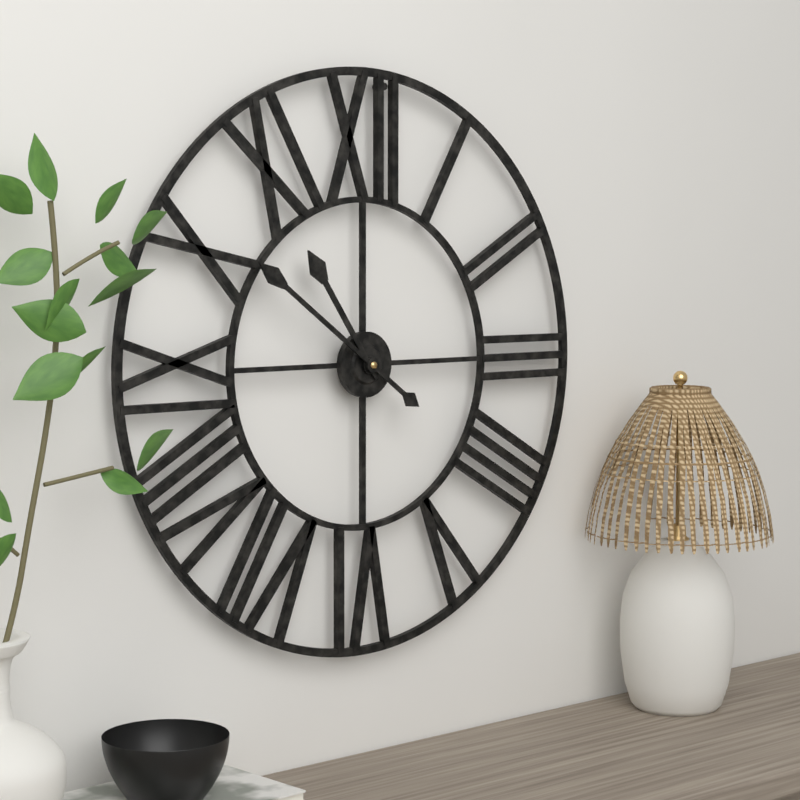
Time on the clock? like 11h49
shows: 10h51
